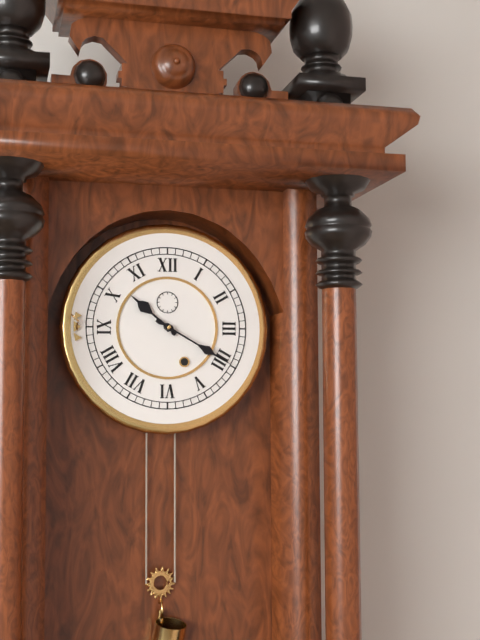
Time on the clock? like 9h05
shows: 10h20
